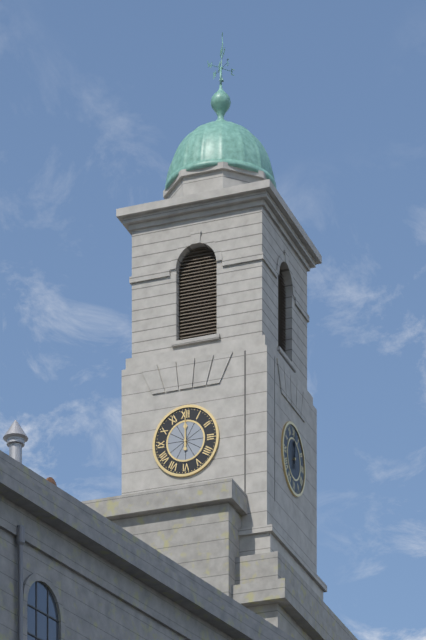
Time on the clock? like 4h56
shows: 12h00
